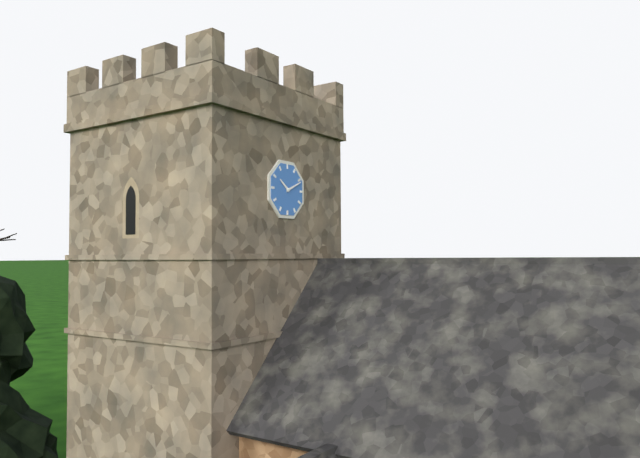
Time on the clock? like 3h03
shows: 10h11
